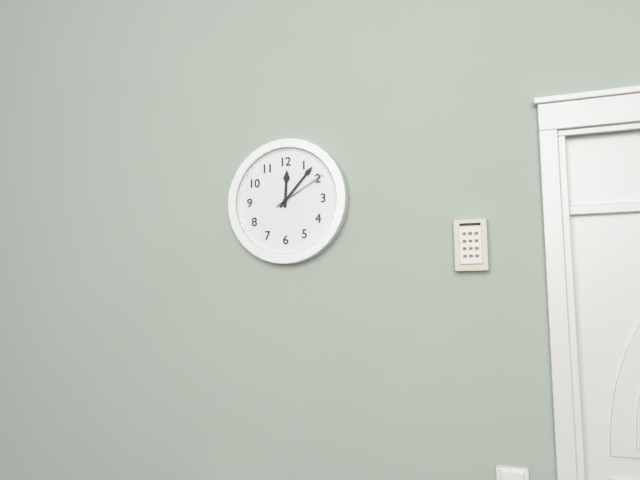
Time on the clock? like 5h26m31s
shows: 12h07m10s
